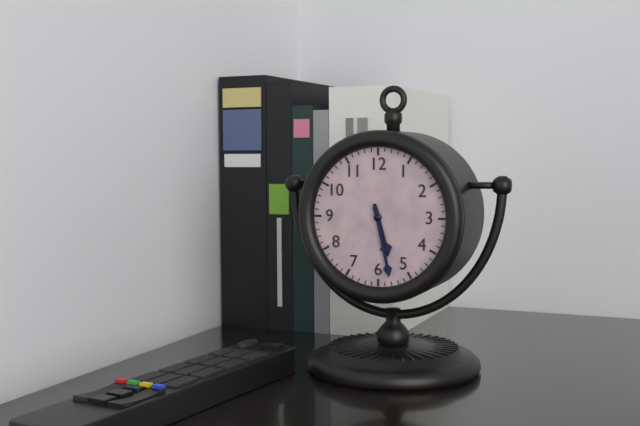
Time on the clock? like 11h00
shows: 5h28
